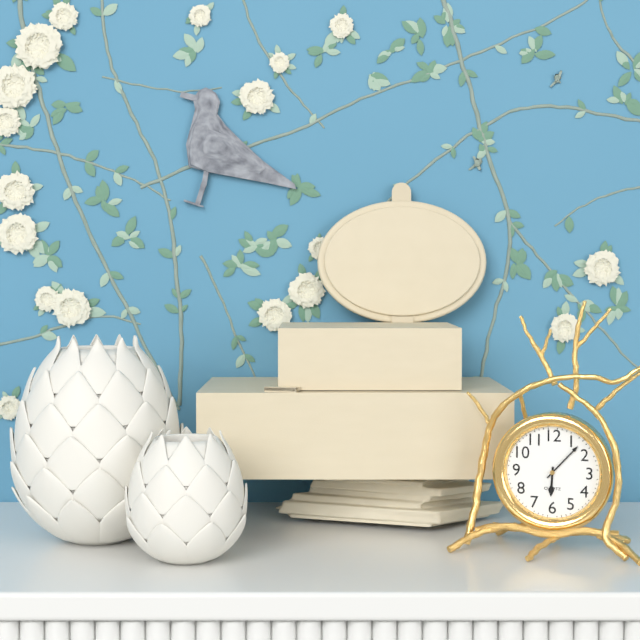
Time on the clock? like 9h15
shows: 6h07
